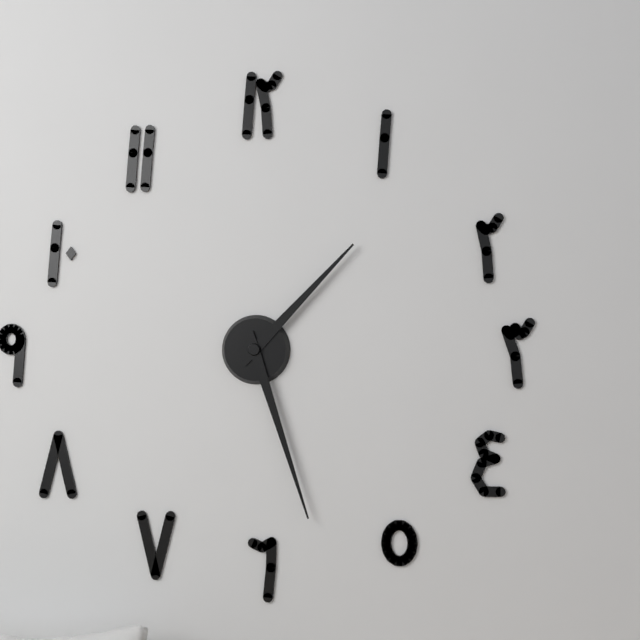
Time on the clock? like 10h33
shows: 1h27
